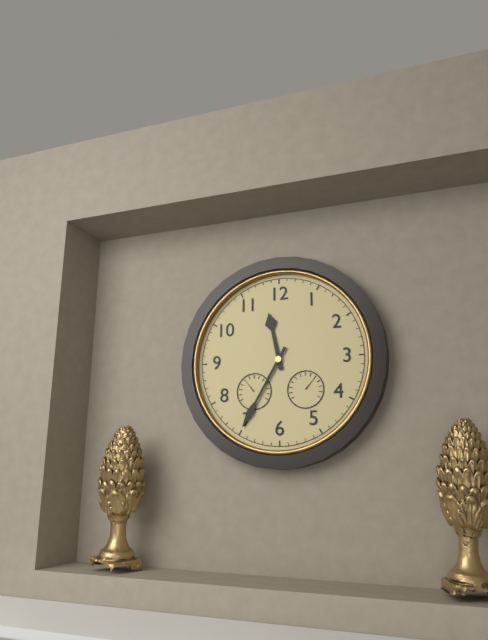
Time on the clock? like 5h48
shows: 11h35
